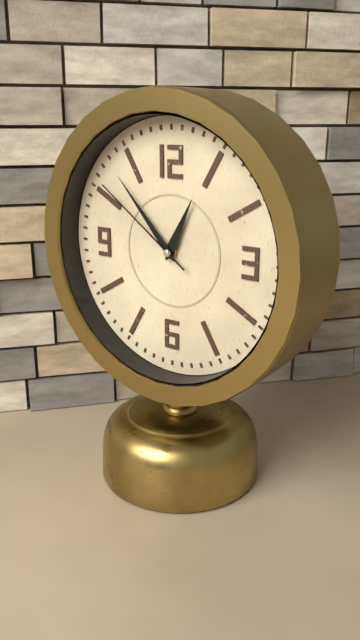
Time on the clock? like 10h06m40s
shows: 12h53m51s
